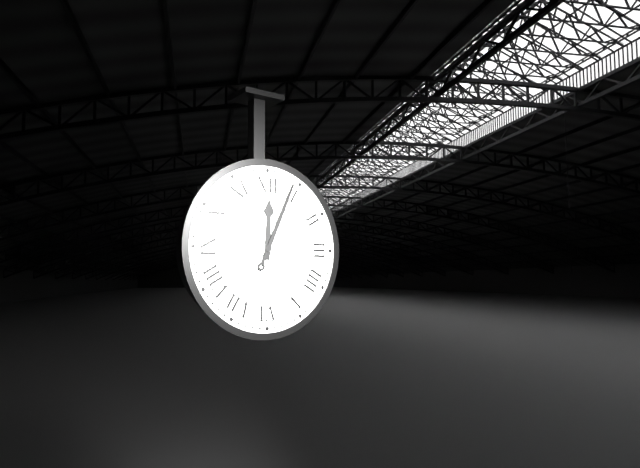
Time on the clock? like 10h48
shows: 12h04
